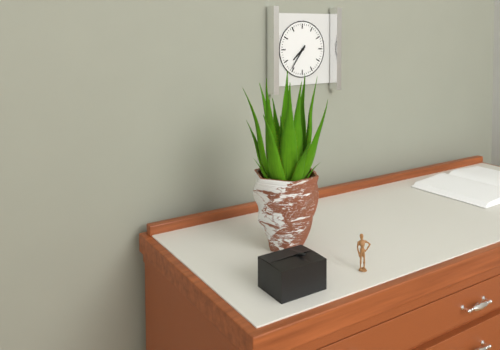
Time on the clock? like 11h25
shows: 7h36
